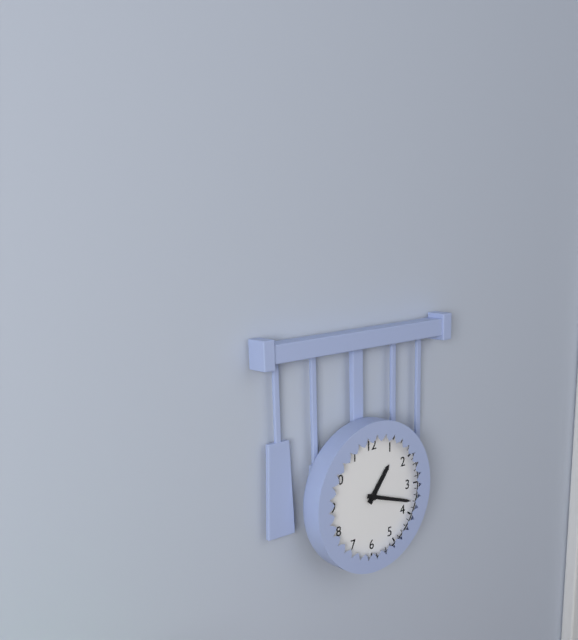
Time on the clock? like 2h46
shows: 1h18
